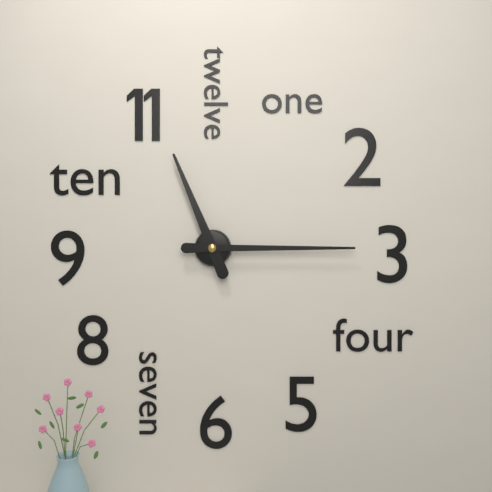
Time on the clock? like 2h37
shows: 11h15
